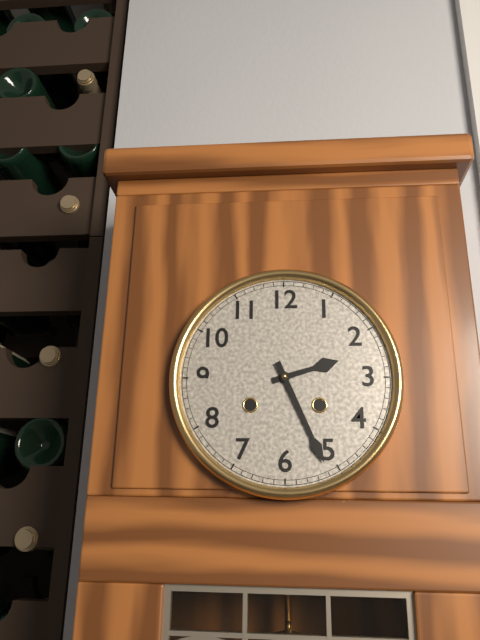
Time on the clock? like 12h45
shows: 2h26
